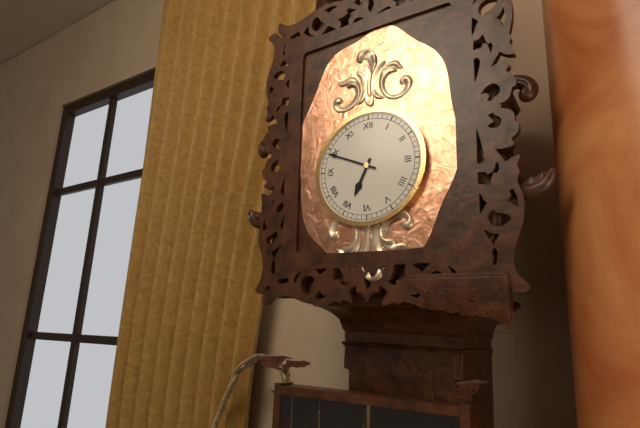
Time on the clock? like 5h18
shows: 6h49
